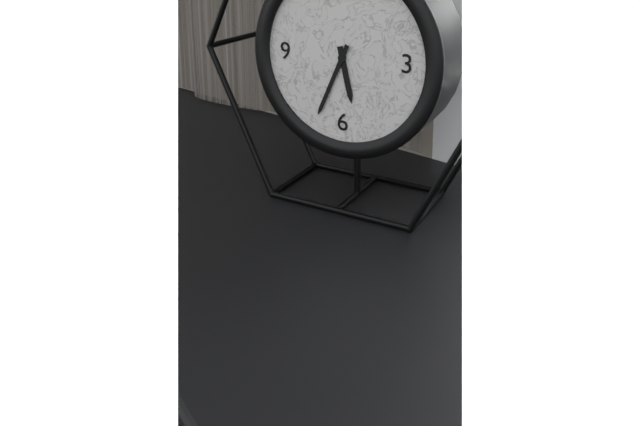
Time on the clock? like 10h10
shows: 5h34
